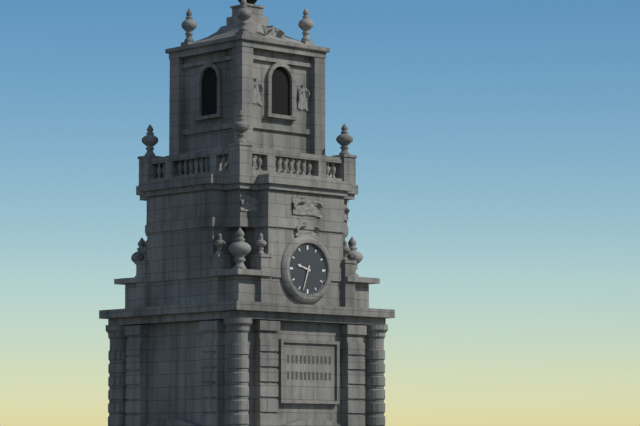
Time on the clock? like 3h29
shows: 9h33
